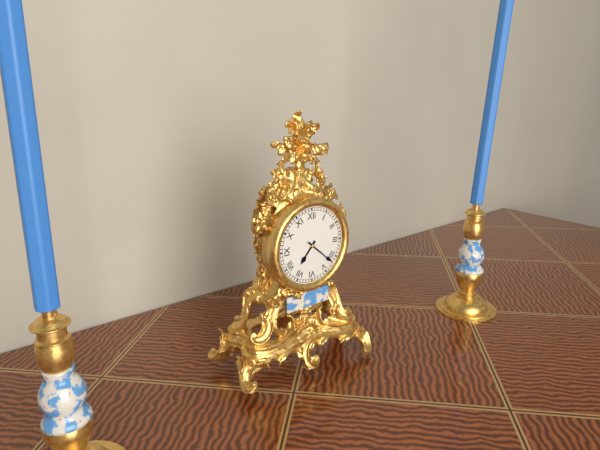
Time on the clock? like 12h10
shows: 7h22
